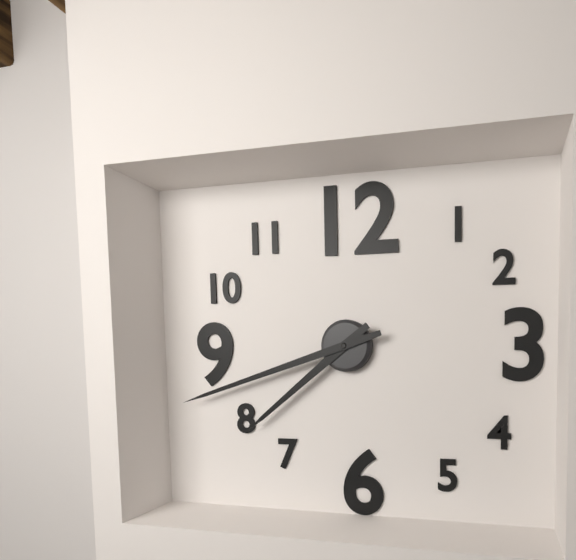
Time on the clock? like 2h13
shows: 7h42
